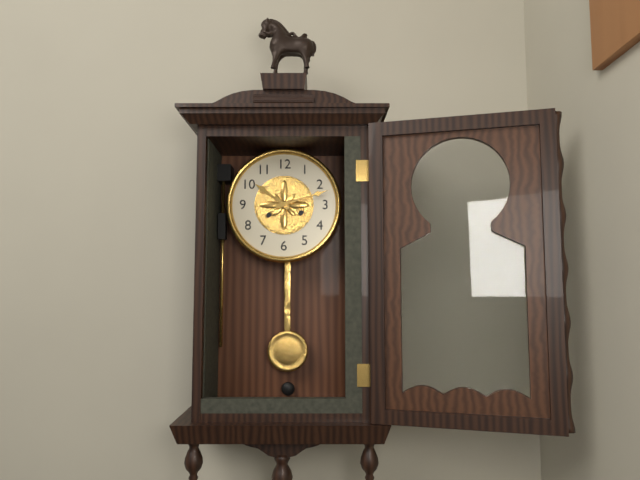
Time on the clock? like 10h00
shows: 10h12
